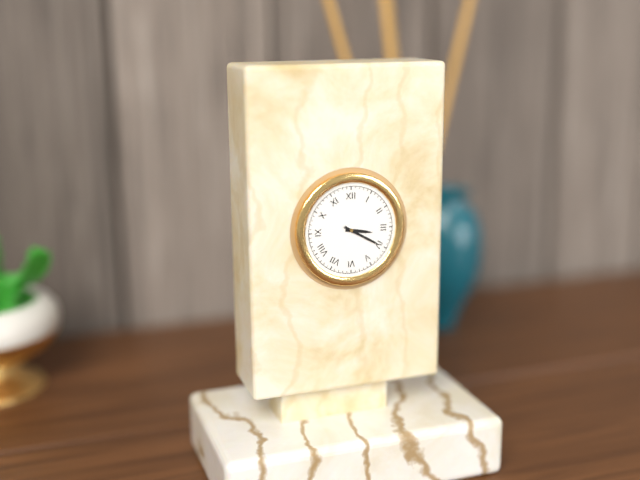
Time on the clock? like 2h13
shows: 3h20
